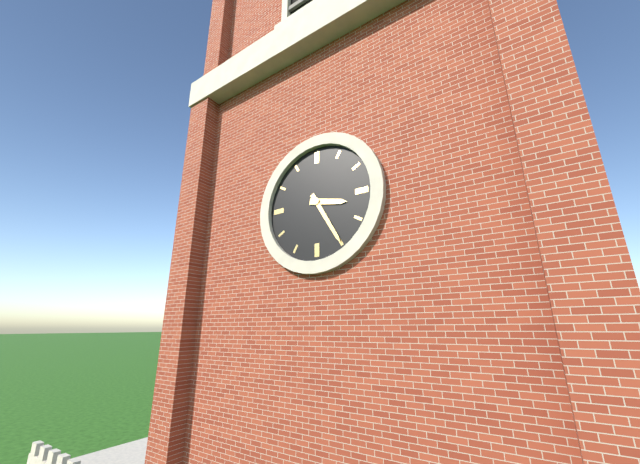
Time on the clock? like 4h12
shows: 3h25
